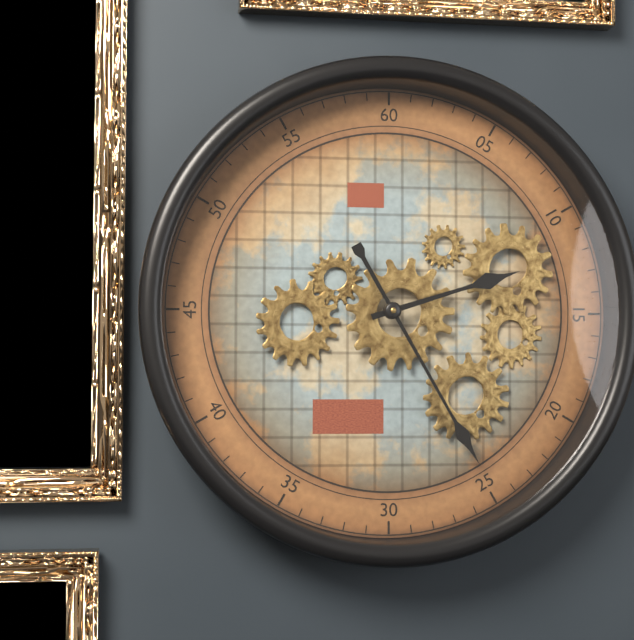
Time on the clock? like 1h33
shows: 2h25
